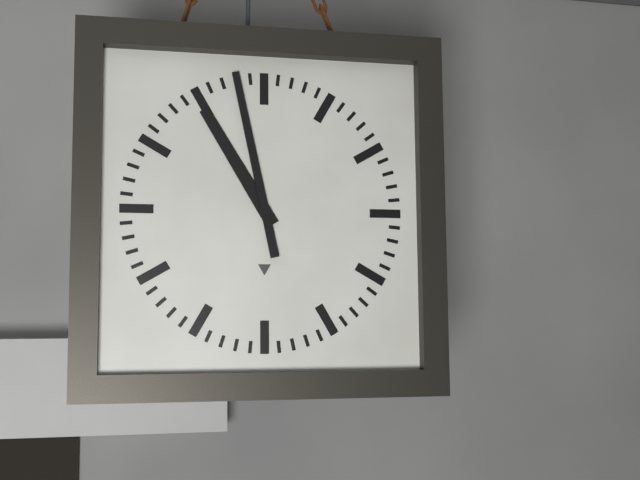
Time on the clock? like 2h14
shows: 10h58
